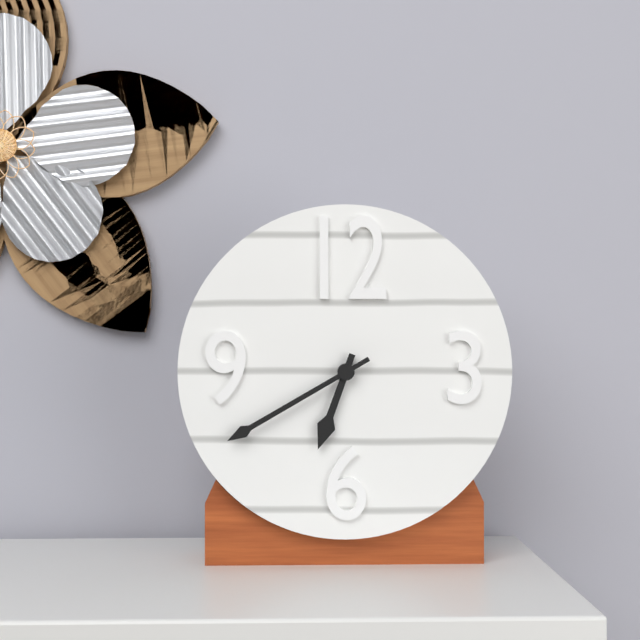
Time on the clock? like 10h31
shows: 6h40
